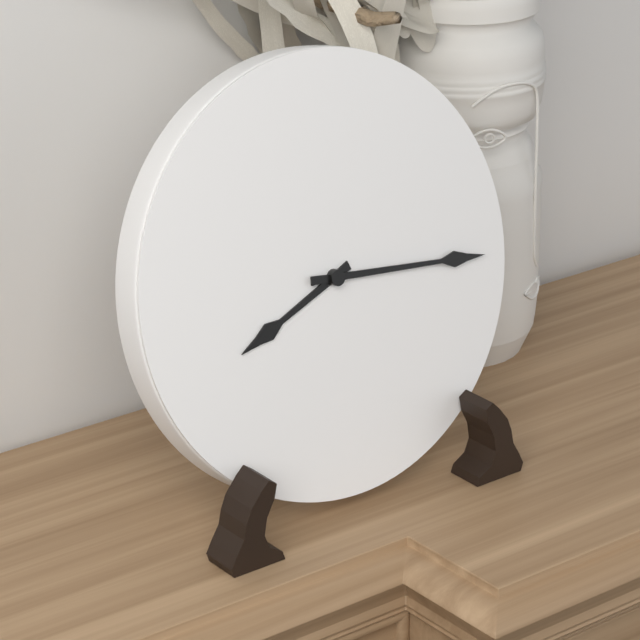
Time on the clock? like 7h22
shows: 8h16
